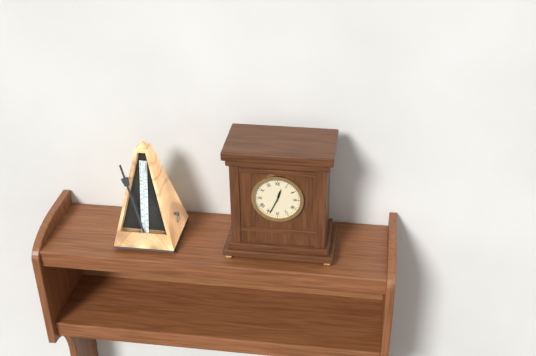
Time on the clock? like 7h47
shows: 12h34
